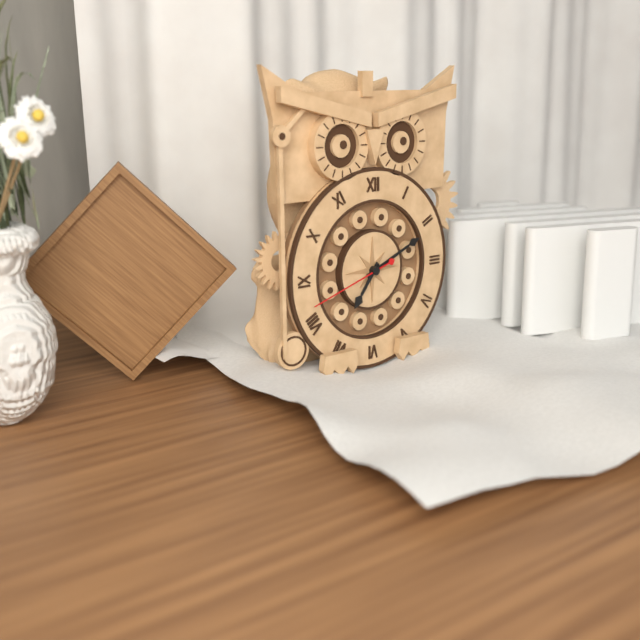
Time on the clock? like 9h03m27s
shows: 7h11m42s
